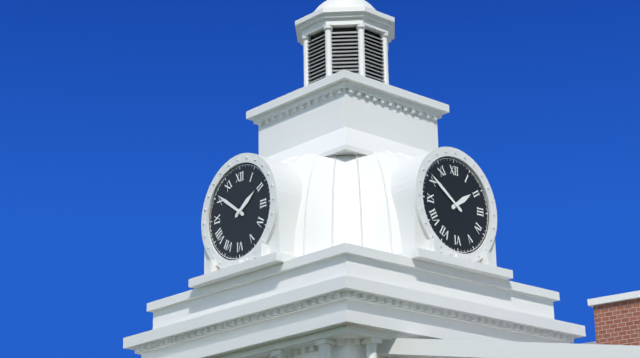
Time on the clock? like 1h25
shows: 1h51
